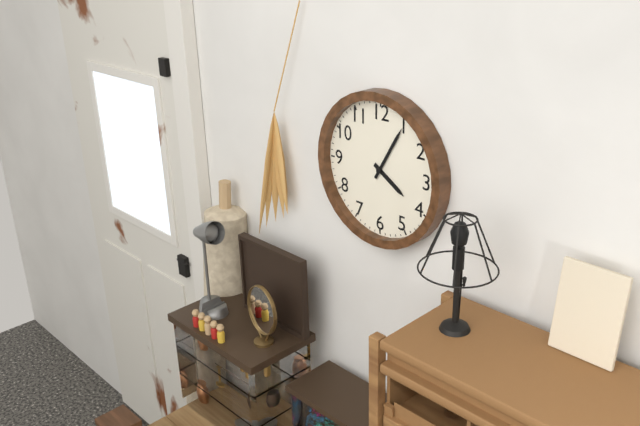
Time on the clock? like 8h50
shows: 4h05
